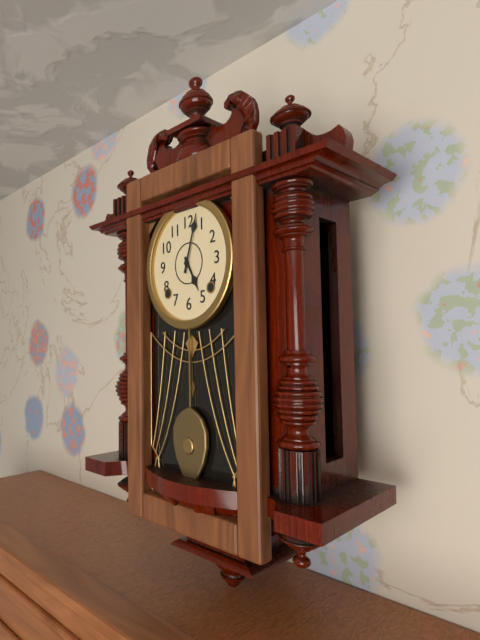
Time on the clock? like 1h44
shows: 5h03
